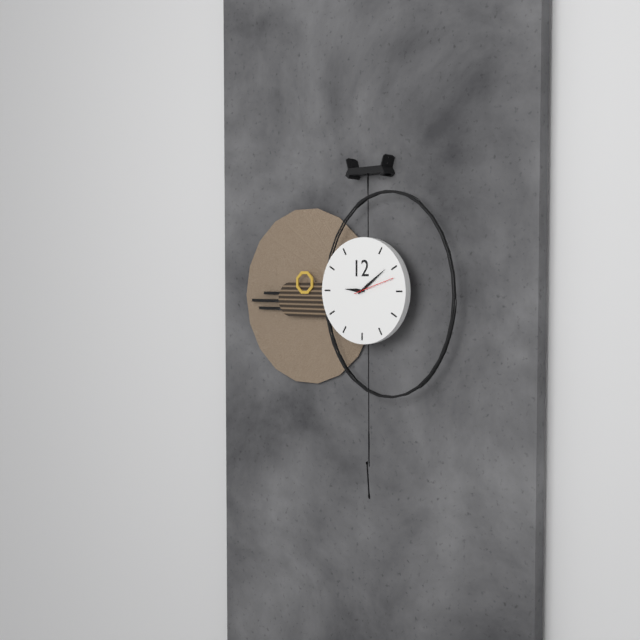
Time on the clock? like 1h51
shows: 9h09
